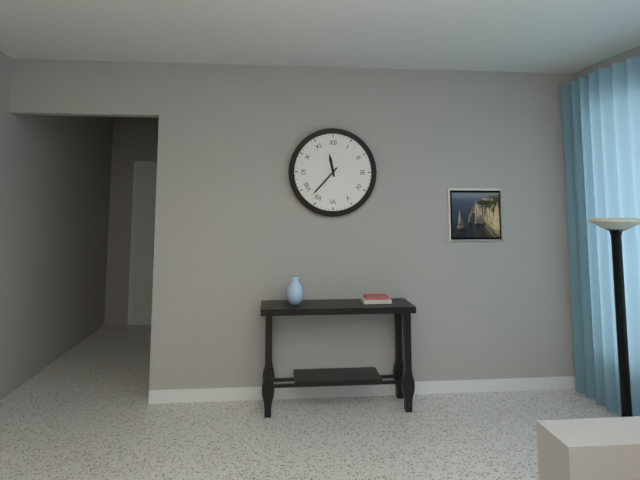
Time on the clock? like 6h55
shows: 11h37
